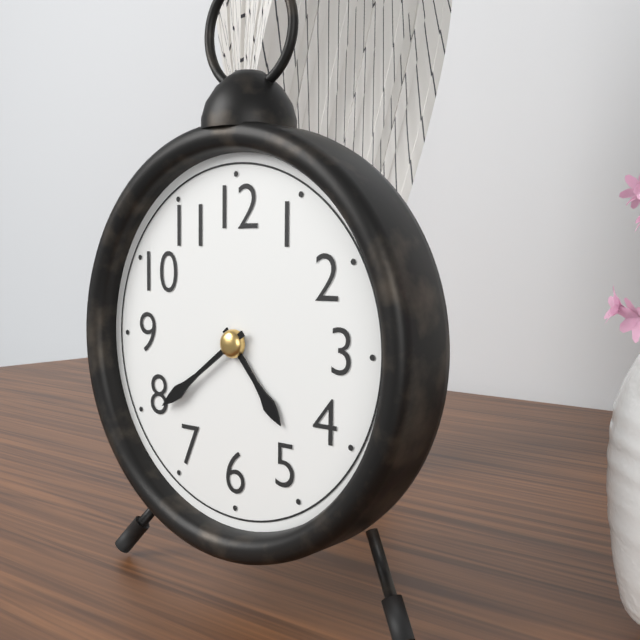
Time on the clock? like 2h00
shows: 4h39
